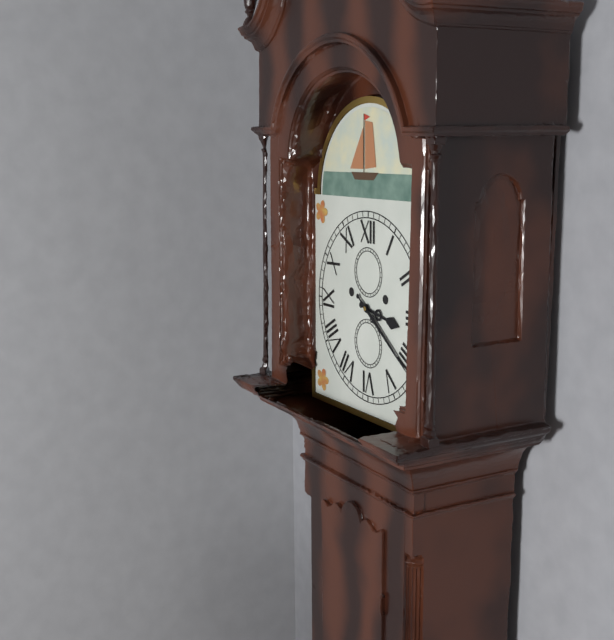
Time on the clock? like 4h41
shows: 3h21
